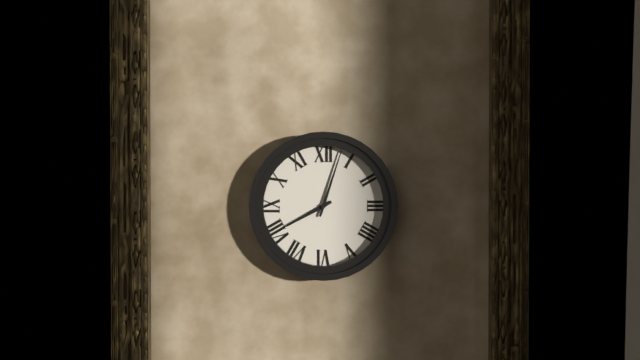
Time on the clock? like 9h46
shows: 8h03
